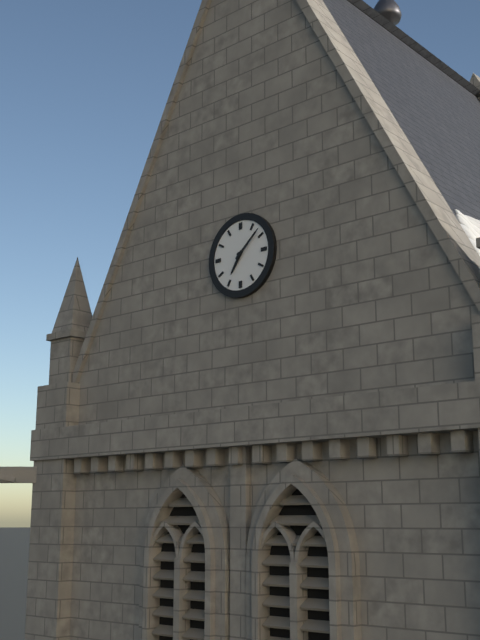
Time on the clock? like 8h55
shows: 7h08
